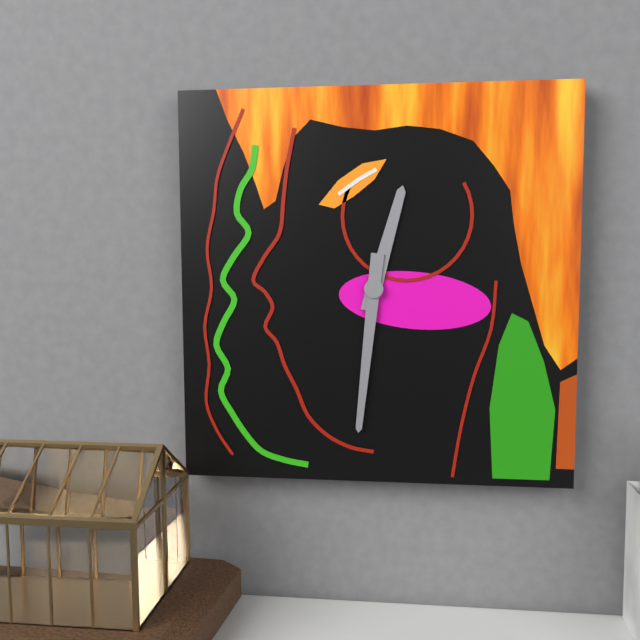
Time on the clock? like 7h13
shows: 12h31
